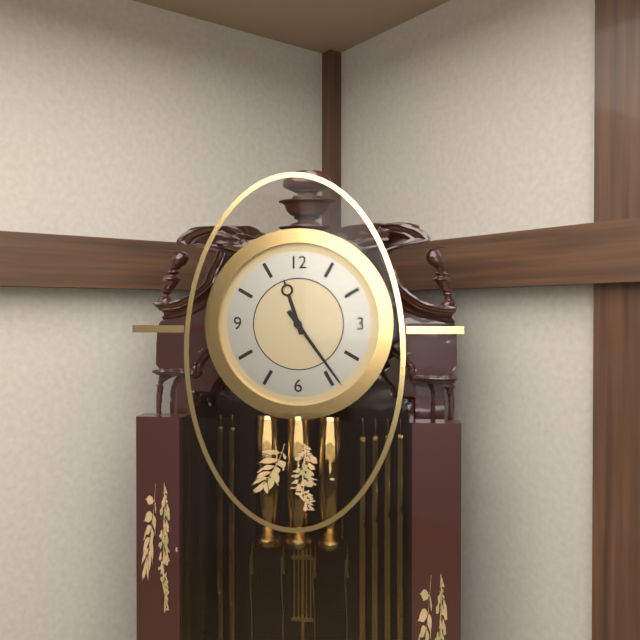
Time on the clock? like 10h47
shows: 11h24
